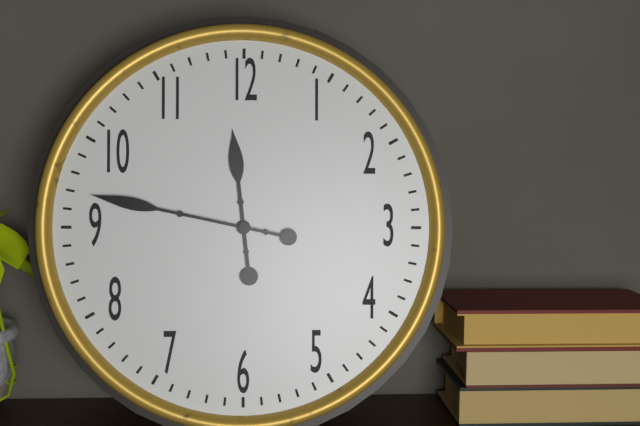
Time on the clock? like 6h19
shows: 11h47
